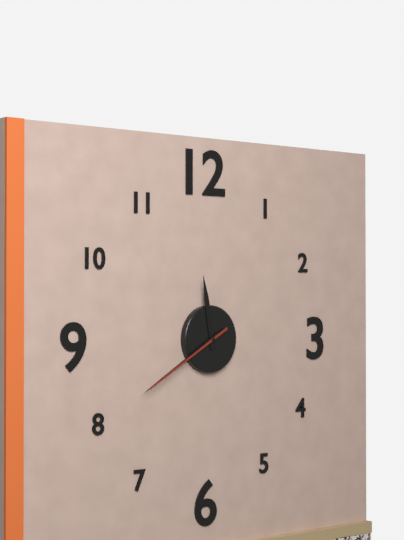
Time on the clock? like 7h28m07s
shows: 11h40m40s
